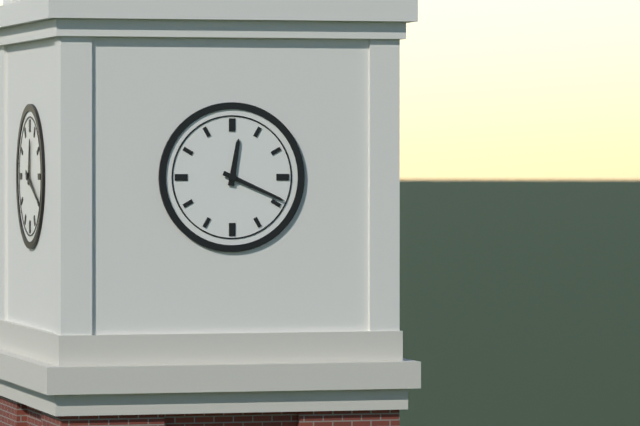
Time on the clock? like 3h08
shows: 12h19
